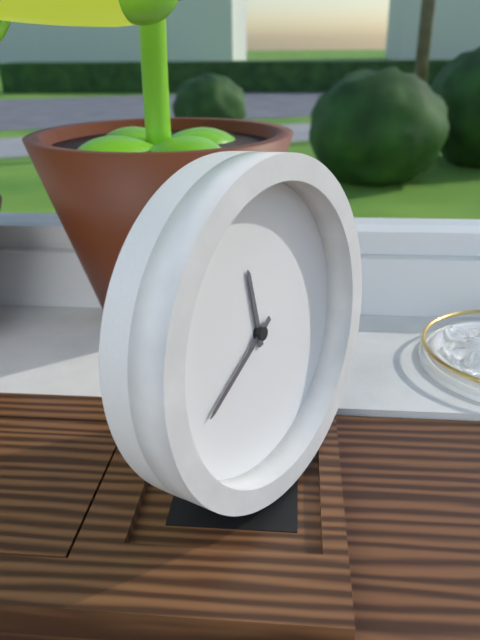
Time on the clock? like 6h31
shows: 11h40
